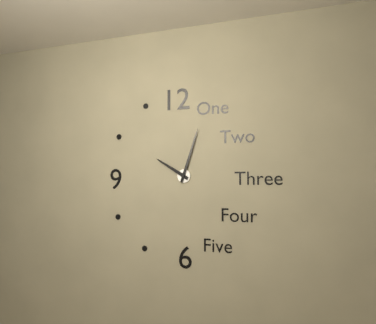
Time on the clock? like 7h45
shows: 10h03
